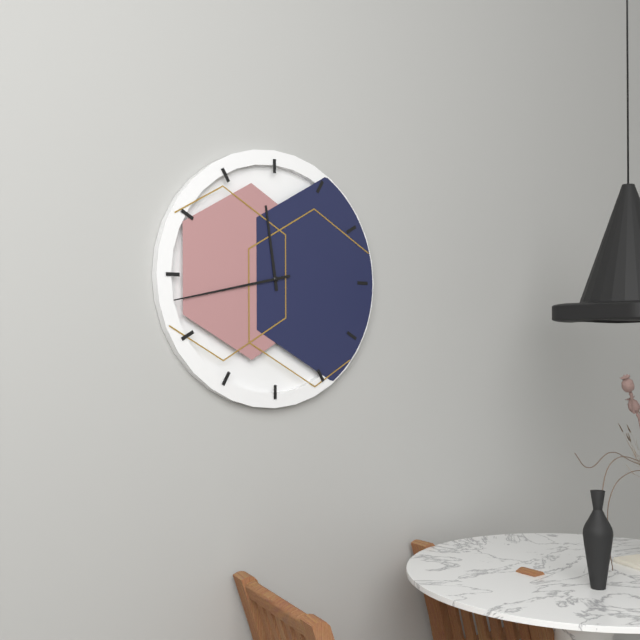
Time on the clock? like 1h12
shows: 11h43
